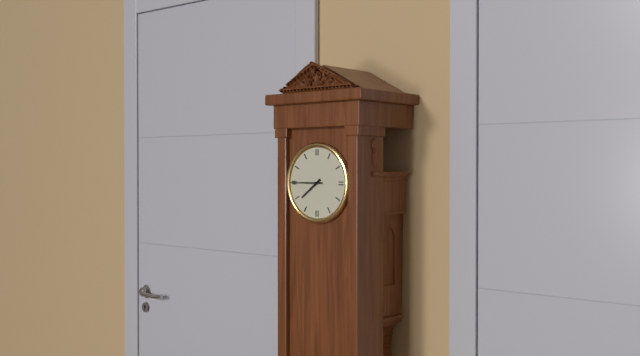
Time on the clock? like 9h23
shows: 7h45
